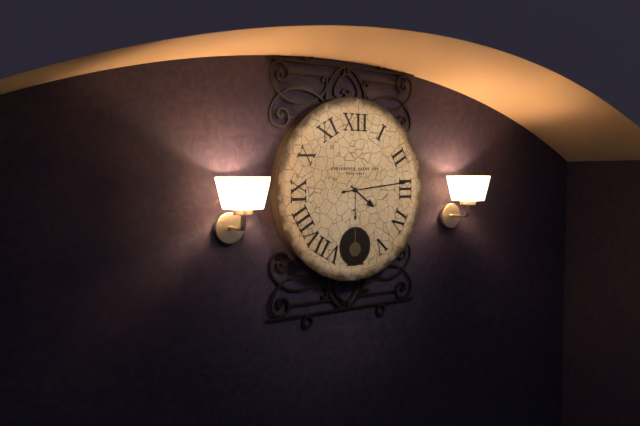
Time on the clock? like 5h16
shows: 4h14
